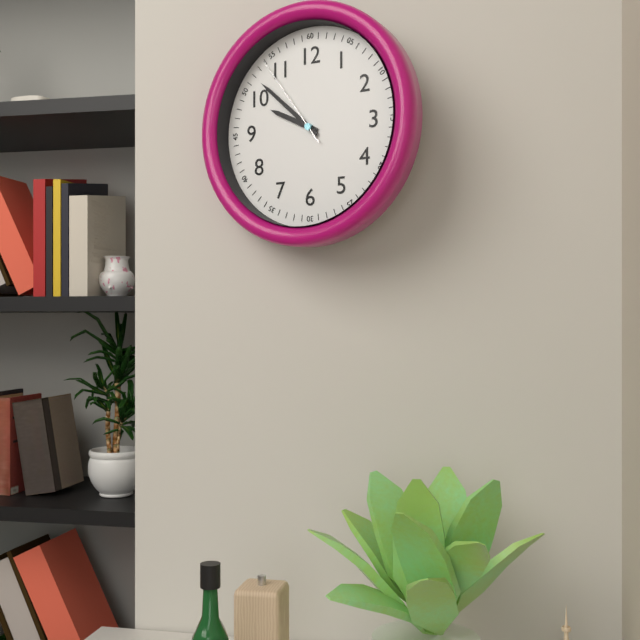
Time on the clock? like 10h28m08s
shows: 9h52m54s
